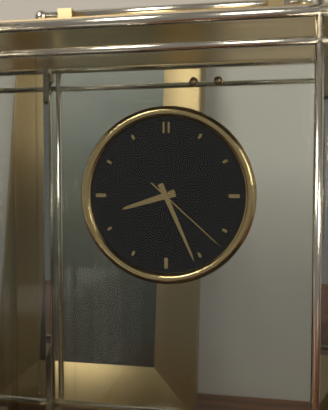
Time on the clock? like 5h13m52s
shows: 8h26m22s
